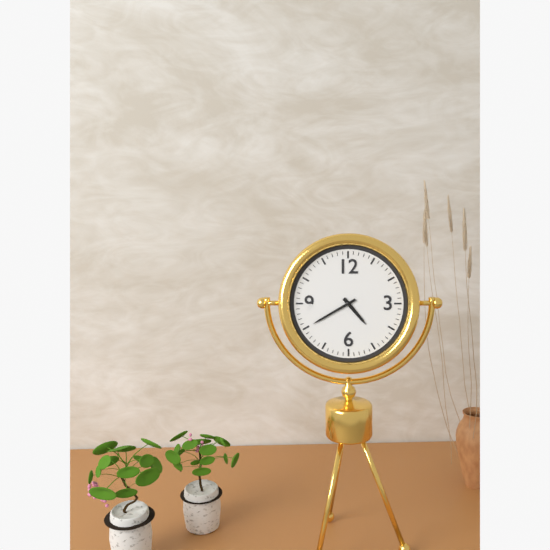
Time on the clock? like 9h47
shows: 4h40
